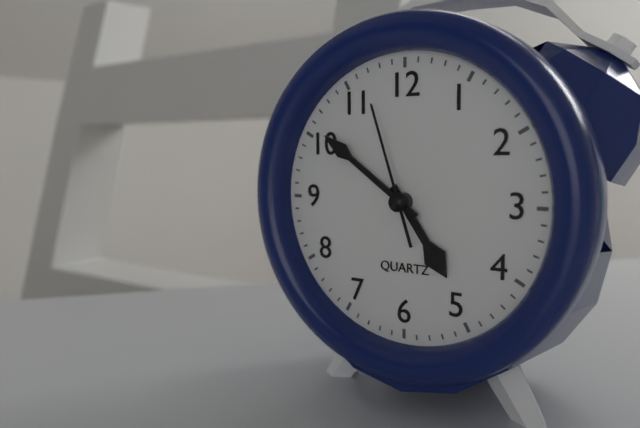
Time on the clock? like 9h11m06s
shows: 4h51m57s
